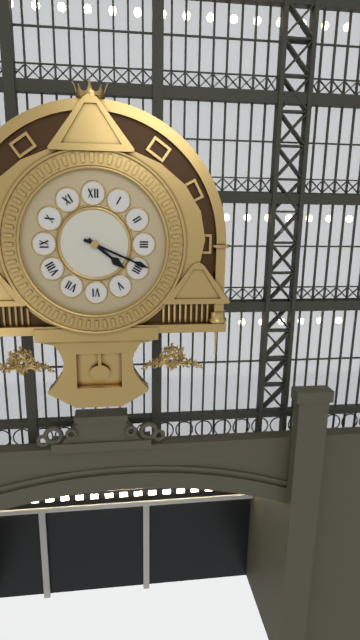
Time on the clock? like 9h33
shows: 4h19
